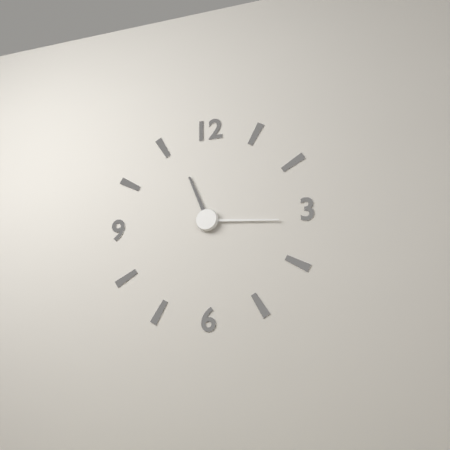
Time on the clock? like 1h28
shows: 11h16
